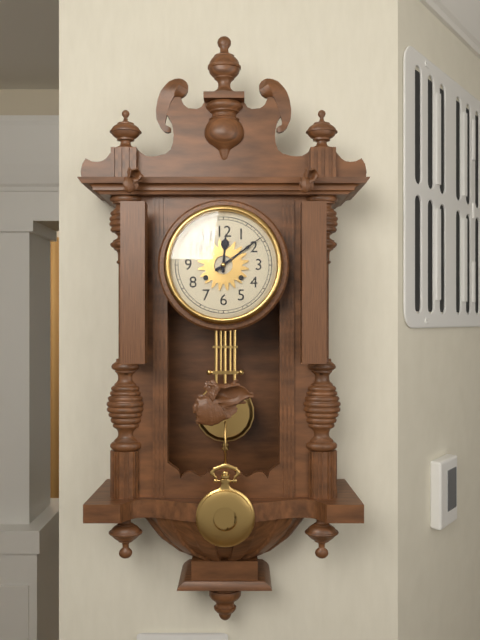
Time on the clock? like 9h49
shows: 12h09
